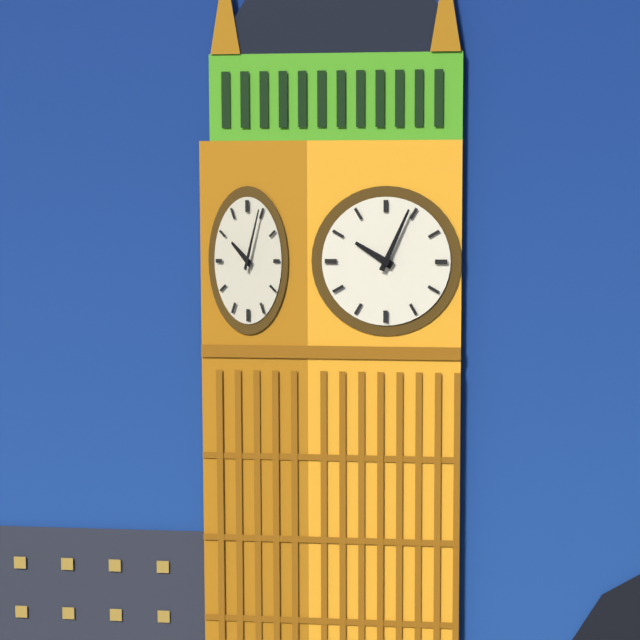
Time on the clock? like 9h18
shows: 10h04
